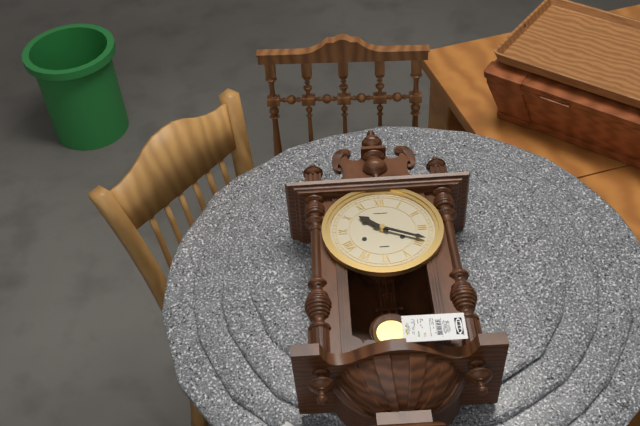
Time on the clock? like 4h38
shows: 10h19
